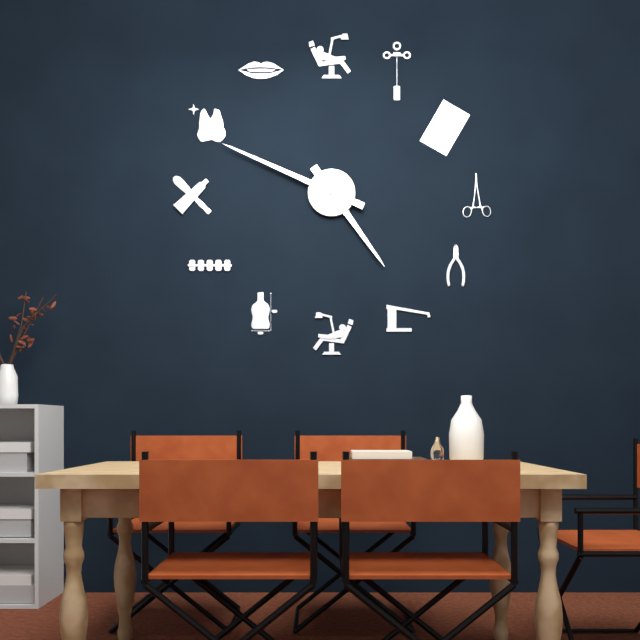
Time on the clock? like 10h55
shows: 4h49
